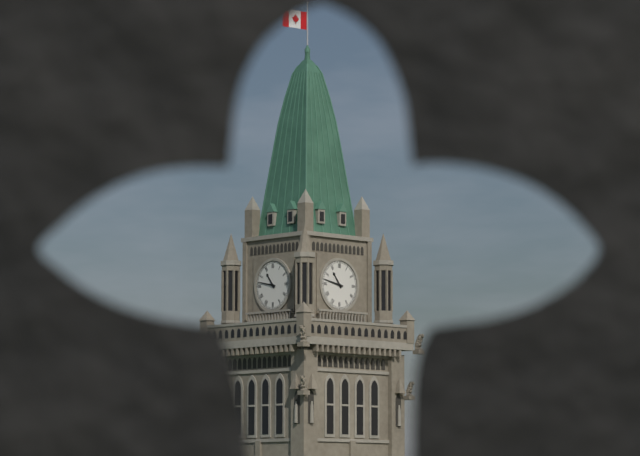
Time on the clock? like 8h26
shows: 10h47
